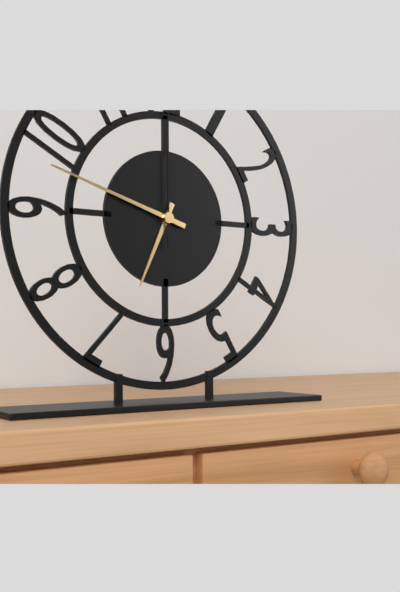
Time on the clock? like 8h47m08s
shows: 6h48m00s
